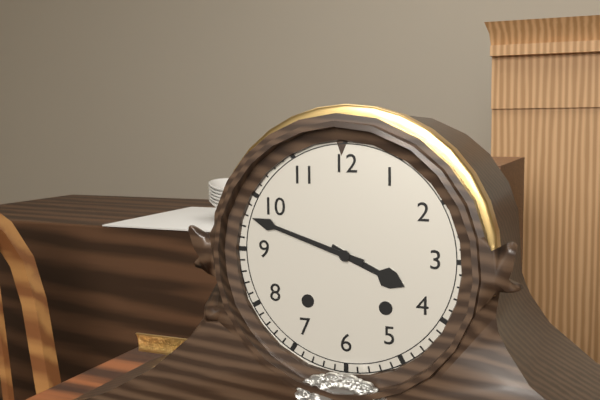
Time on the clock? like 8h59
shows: 3h48
